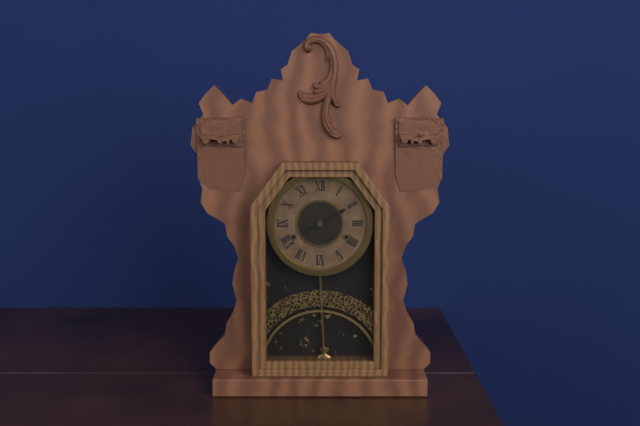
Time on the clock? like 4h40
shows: 8h10
